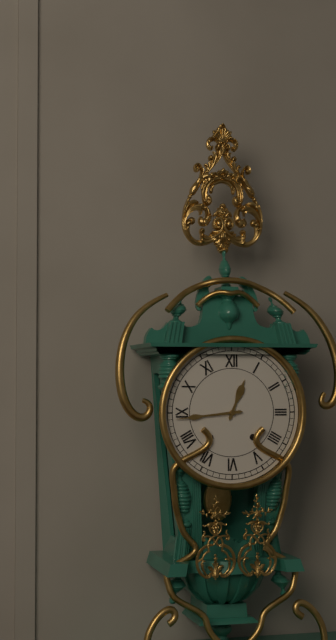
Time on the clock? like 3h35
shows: 12h44
